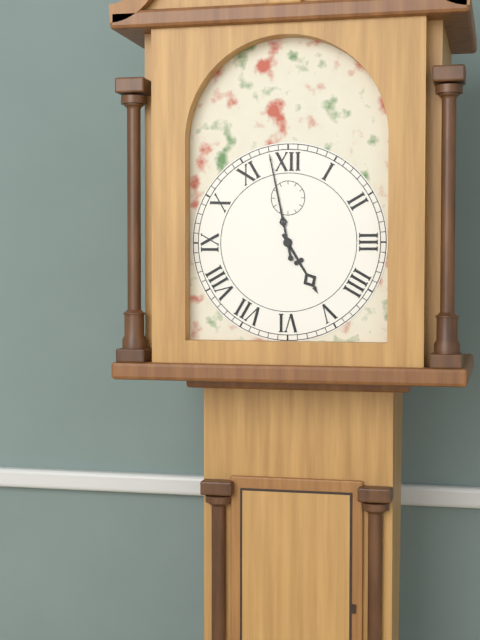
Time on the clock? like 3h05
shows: 4h58
